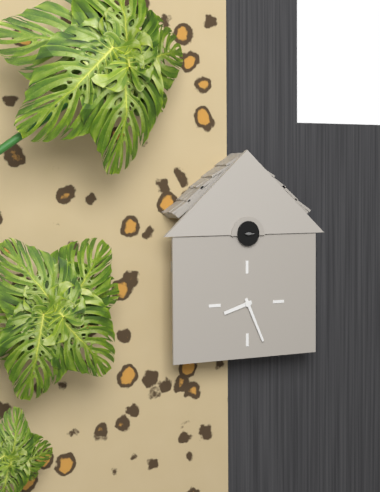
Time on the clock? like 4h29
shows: 8h26
